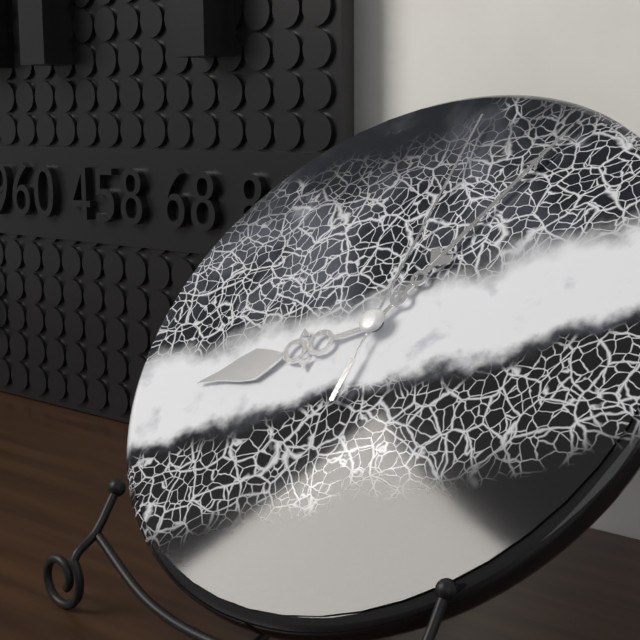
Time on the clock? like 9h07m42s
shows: 8h04m00s
